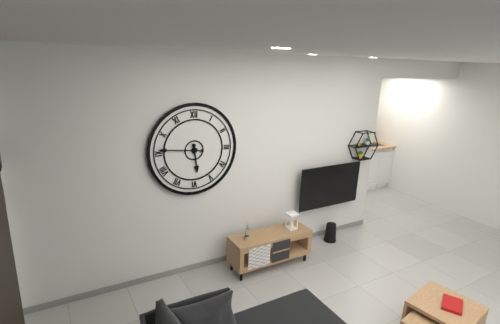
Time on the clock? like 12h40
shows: 5h46
